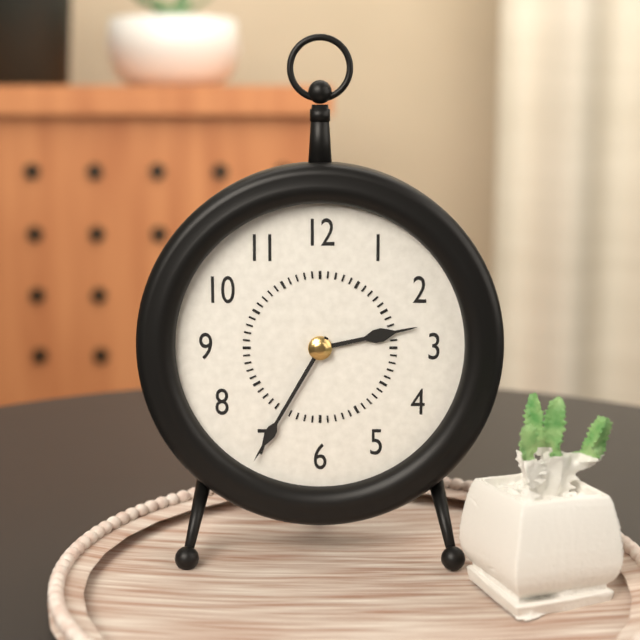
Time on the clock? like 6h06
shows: 2h35
